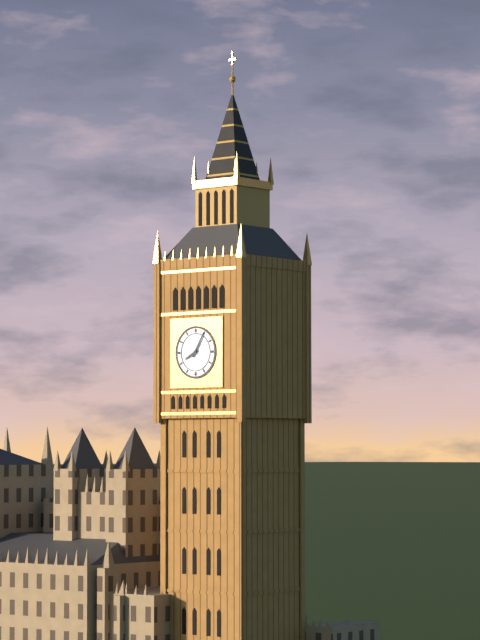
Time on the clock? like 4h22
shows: 8h05
